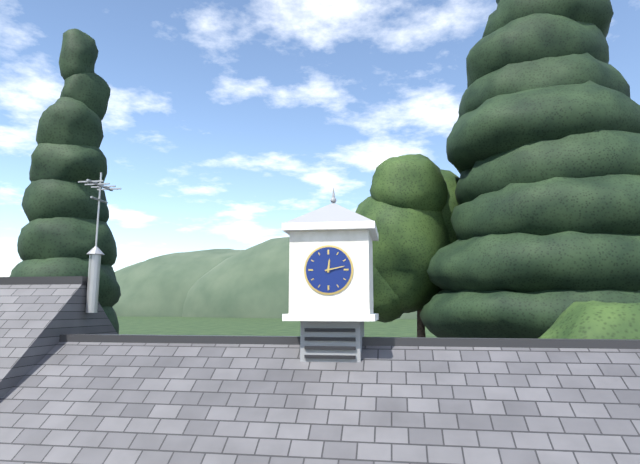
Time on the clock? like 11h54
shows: 12h13
